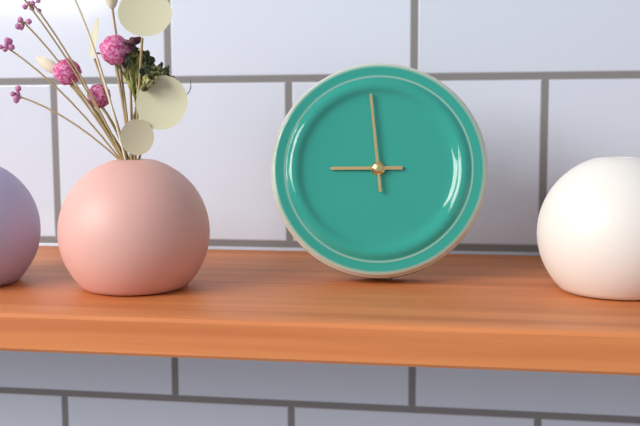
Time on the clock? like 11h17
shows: 8h59
